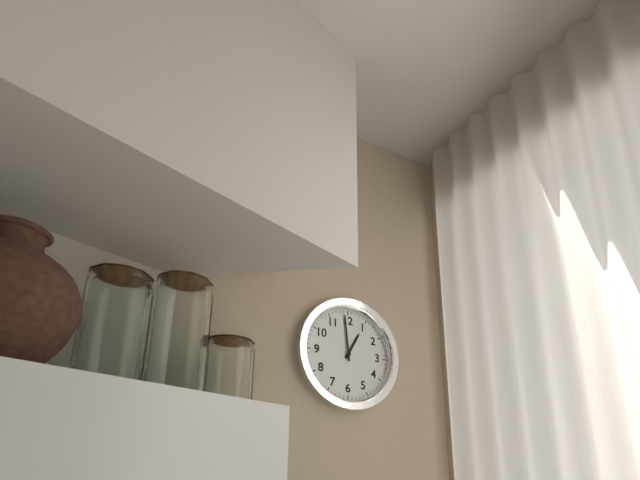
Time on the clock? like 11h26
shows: 12h59
